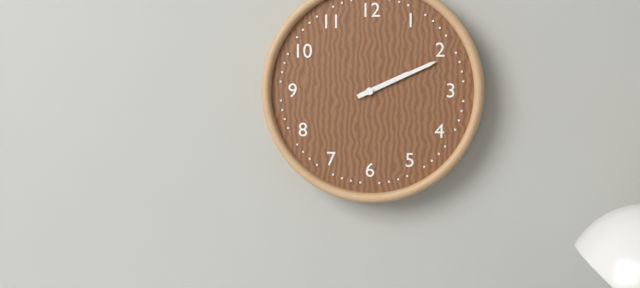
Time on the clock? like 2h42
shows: 2h11
